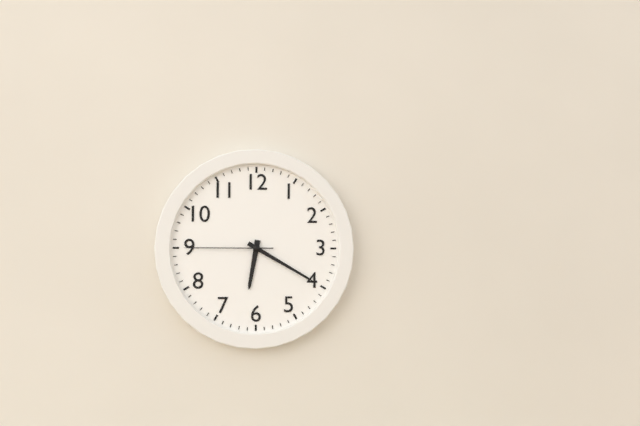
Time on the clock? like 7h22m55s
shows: 6h20m45s
